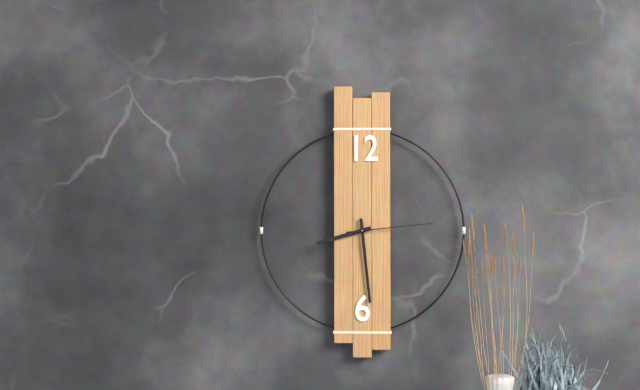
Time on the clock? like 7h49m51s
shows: 8h29m14s
